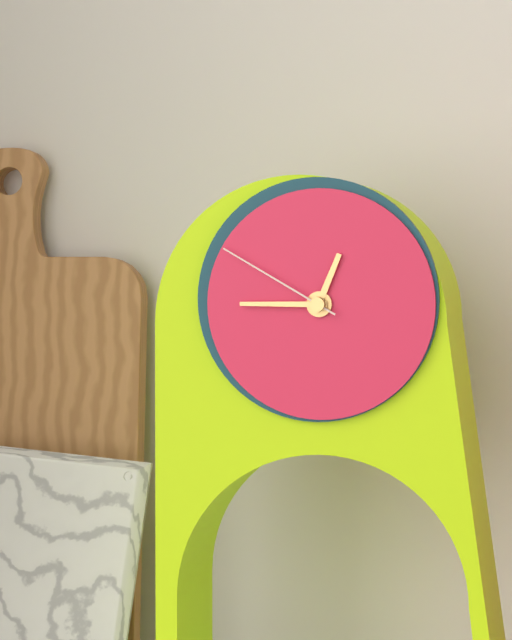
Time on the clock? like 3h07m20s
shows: 12h45m50s
